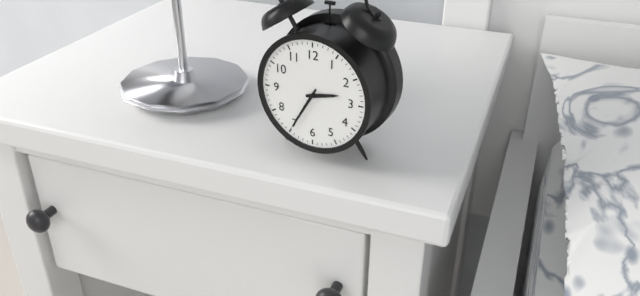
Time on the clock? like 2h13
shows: 2h35
